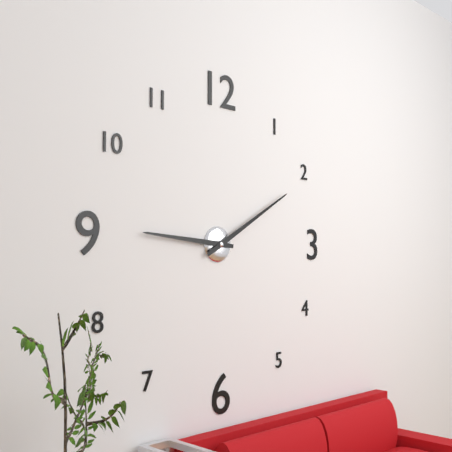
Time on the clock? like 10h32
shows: 9h10
